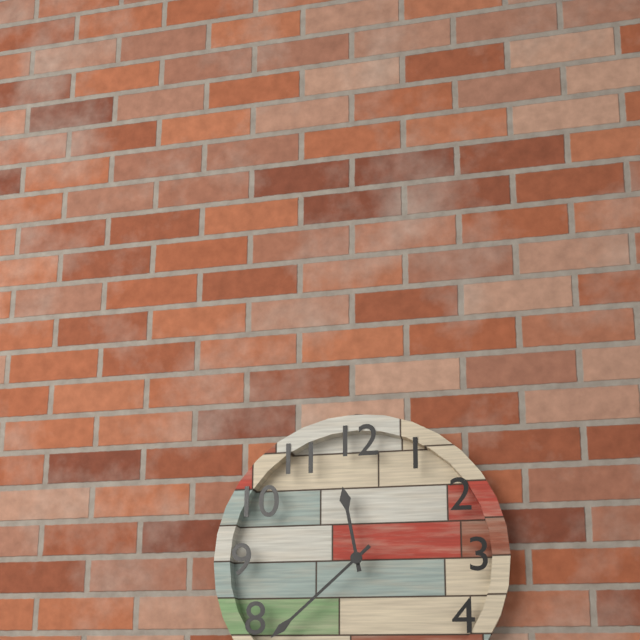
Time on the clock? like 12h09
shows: 11h38
